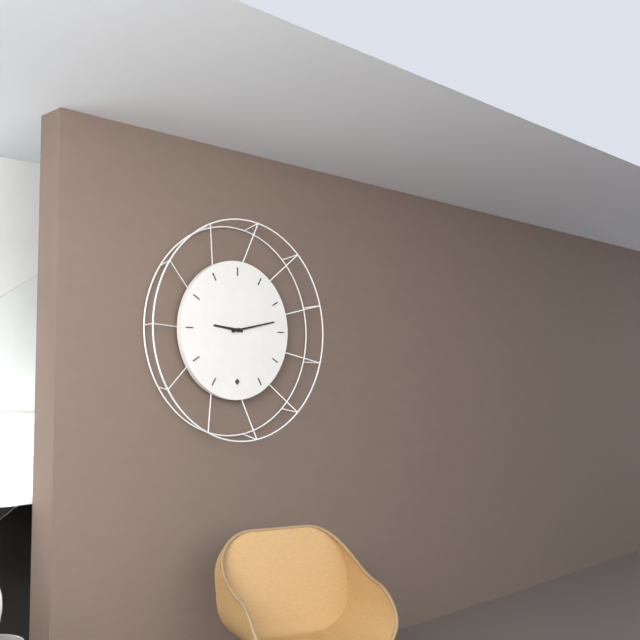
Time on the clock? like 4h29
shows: 9h13
